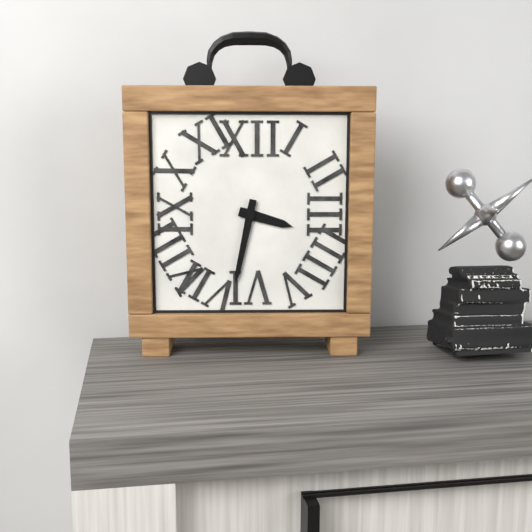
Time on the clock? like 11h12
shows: 3h32
